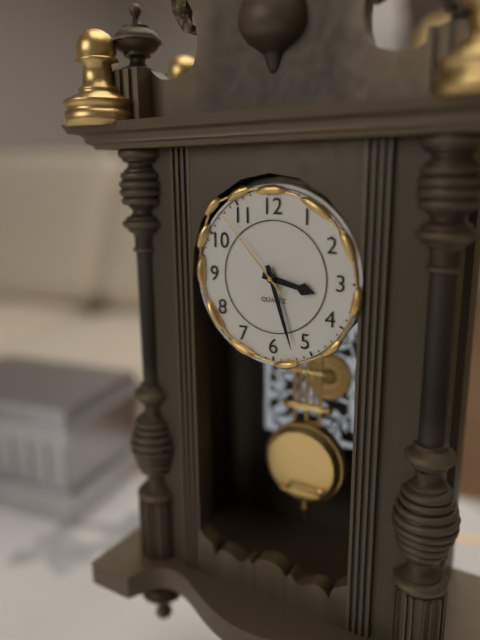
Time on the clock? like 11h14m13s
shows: 3h27m53s
